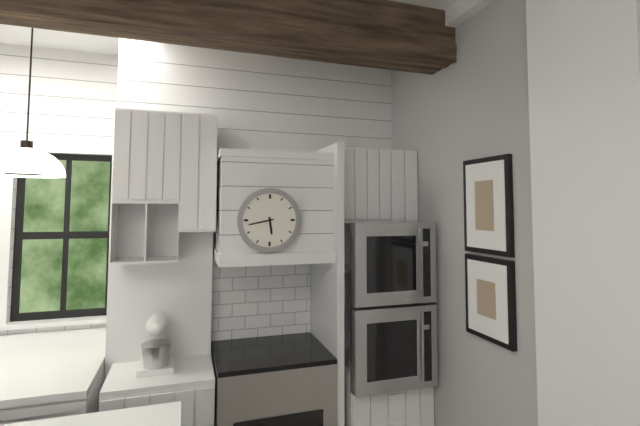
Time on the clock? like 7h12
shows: 5h43
